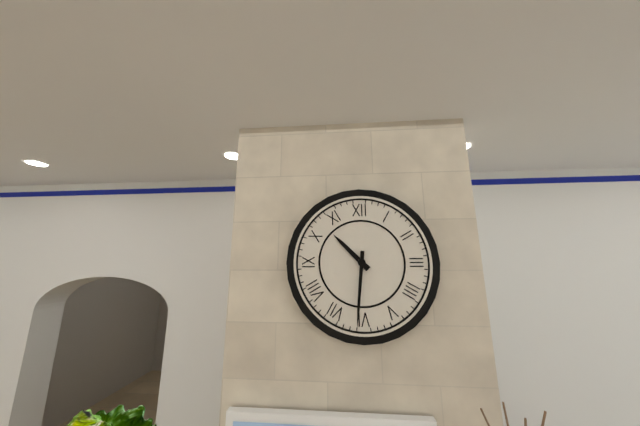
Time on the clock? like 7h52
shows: 10h31
